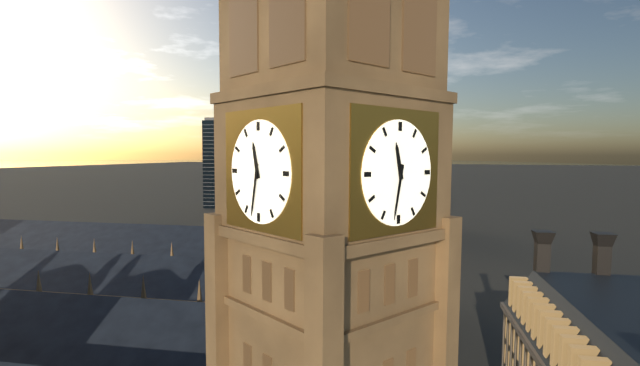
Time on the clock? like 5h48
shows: 11h32
